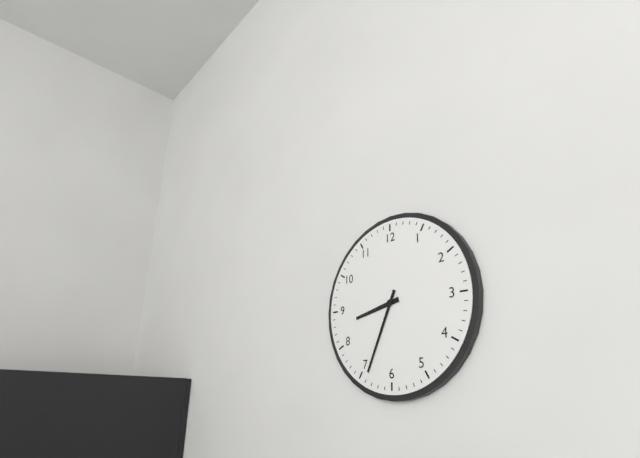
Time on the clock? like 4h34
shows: 8h34
